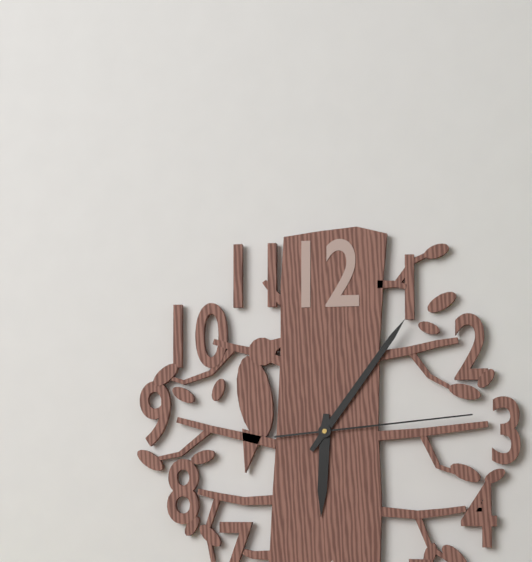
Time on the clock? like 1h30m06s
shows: 6h06m14s
